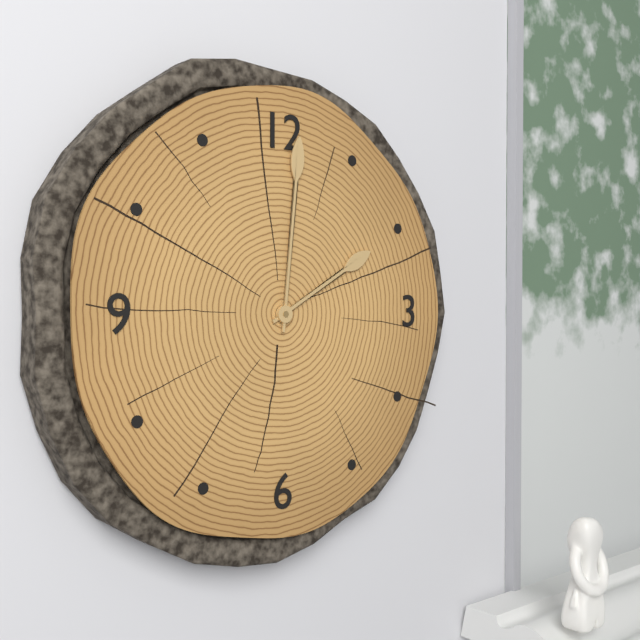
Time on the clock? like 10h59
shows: 2h01
